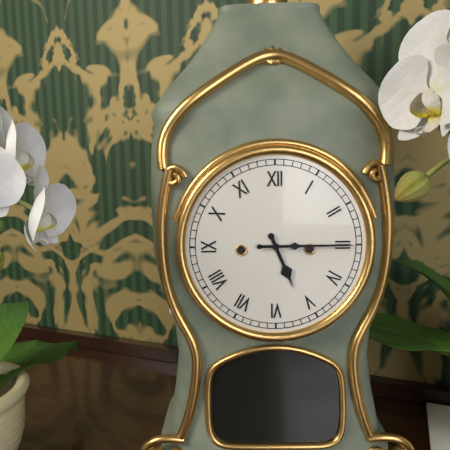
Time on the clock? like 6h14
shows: 5h15
